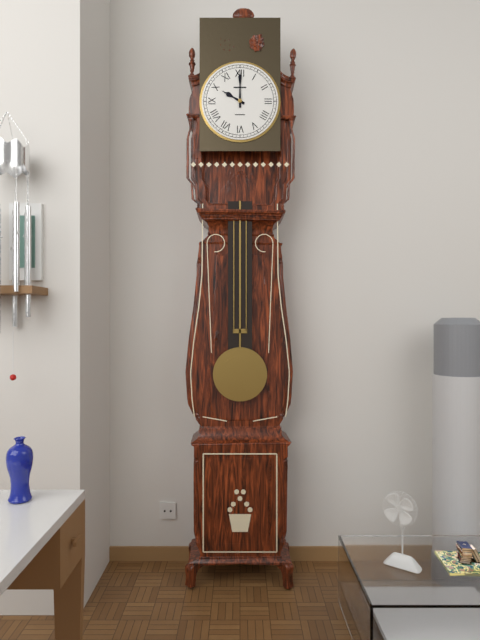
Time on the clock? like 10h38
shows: 10h00
